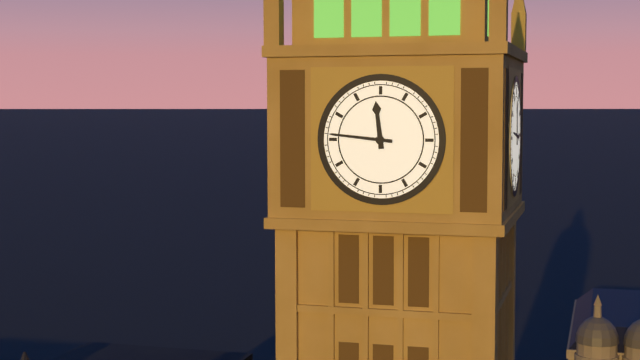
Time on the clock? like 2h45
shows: 11h46
